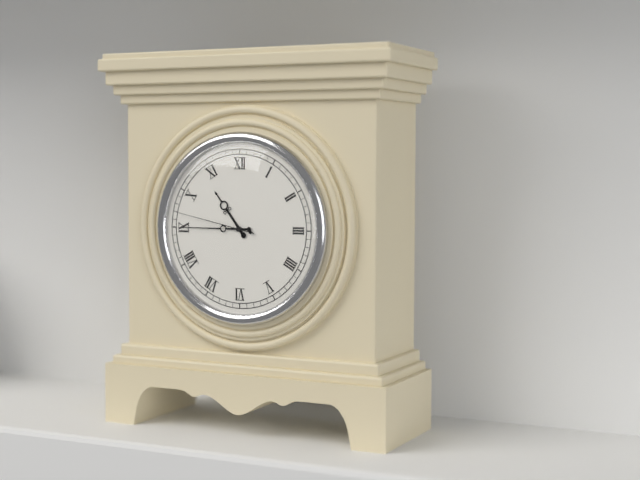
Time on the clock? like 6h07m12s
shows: 10h45m47s
